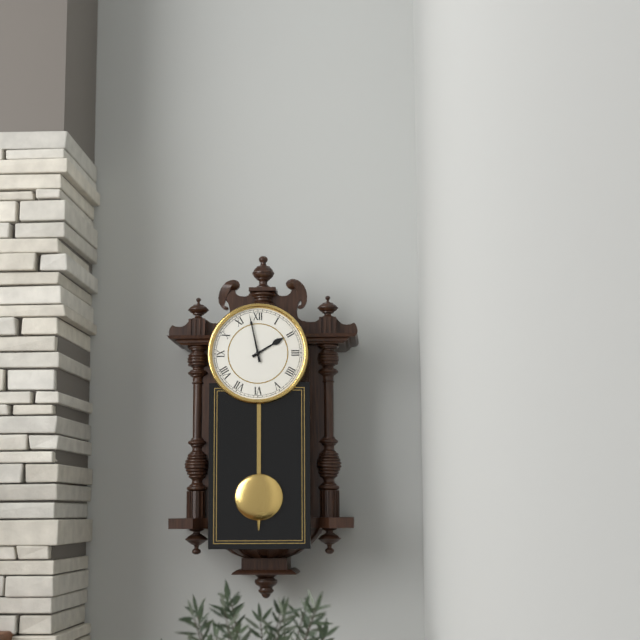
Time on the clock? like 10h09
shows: 1h58
